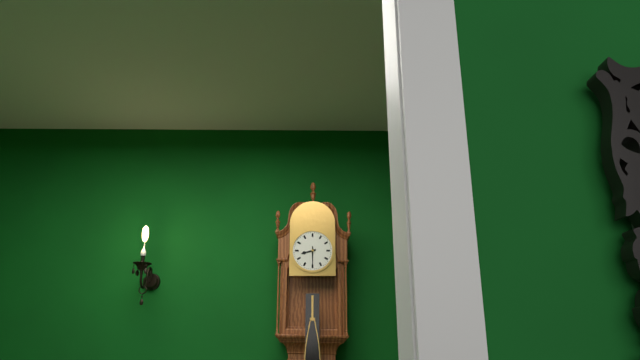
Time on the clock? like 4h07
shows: 8h30
